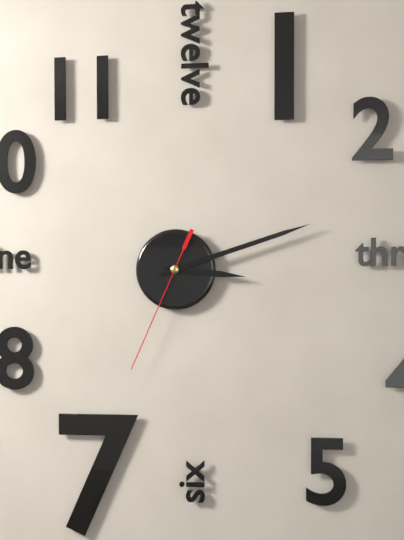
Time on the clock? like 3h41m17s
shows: 3h12m34s
